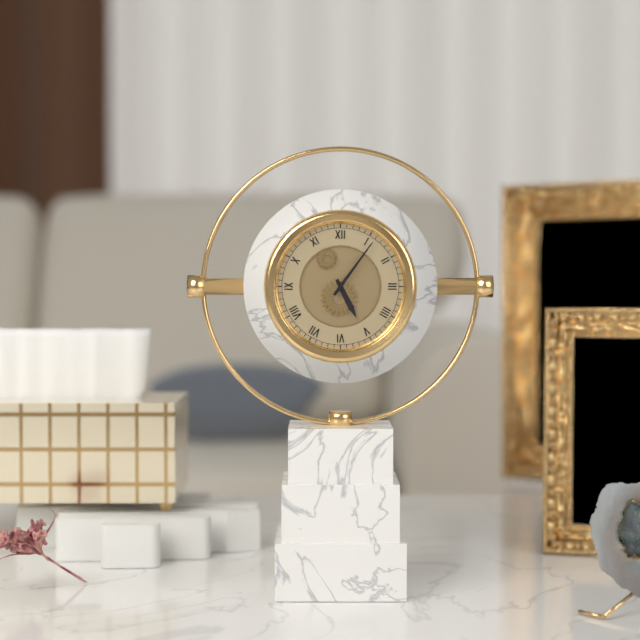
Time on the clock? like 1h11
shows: 5h06
